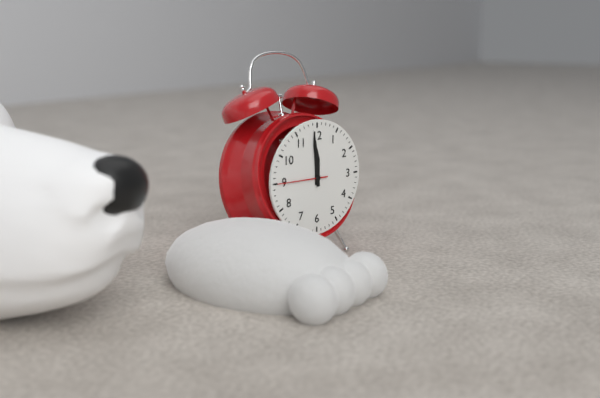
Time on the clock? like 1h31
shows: 11h59
